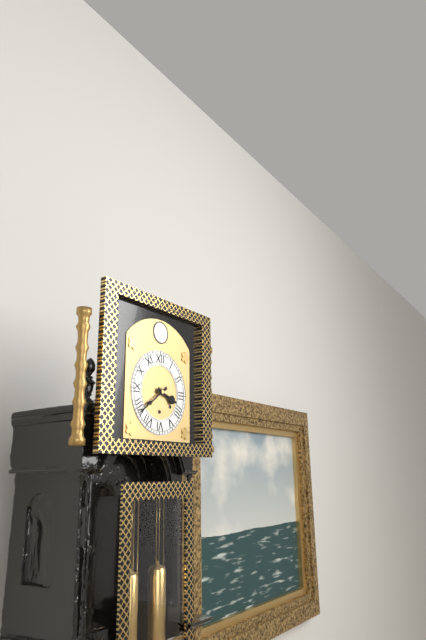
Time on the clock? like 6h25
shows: 3h39
